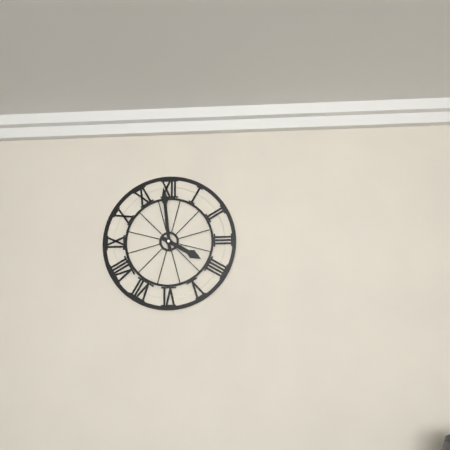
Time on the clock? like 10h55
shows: 3h59
